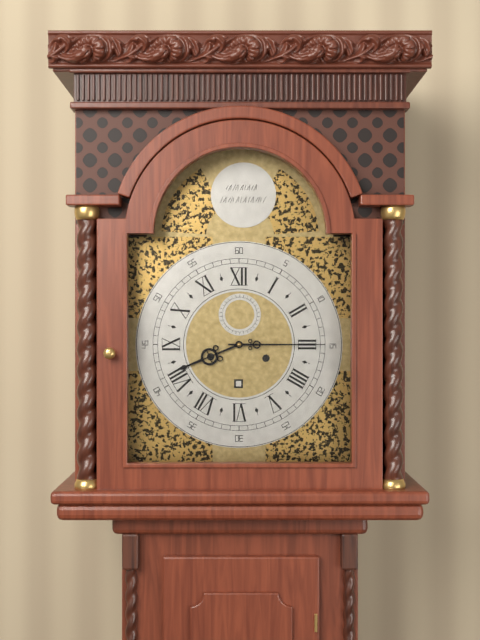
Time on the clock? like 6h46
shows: 8h15
